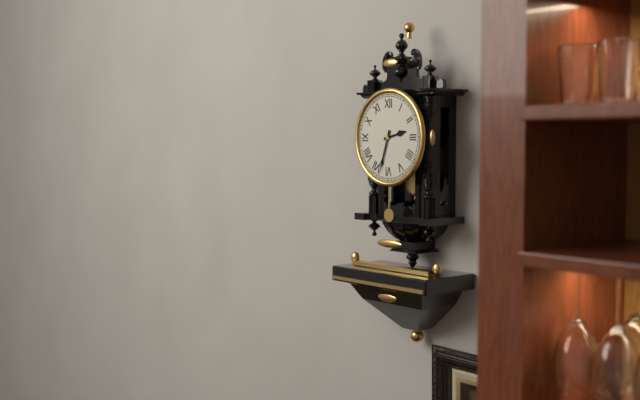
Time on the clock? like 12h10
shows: 2h33
